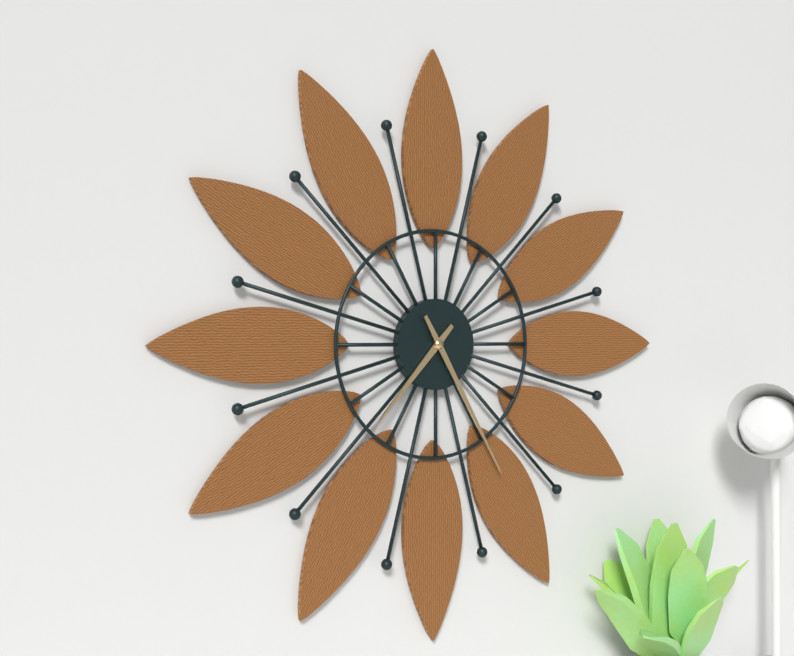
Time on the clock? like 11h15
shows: 7h25
